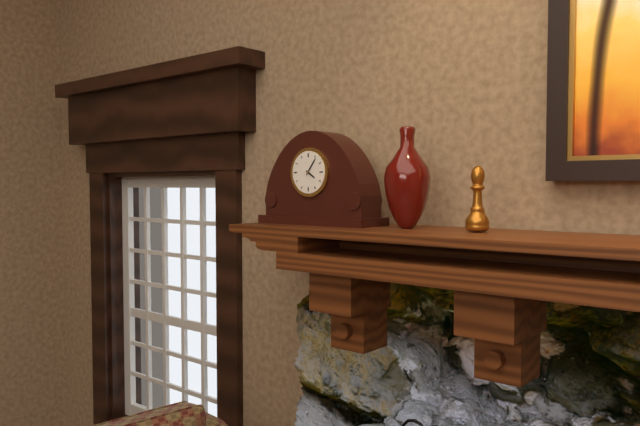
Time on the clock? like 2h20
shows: 4h06
